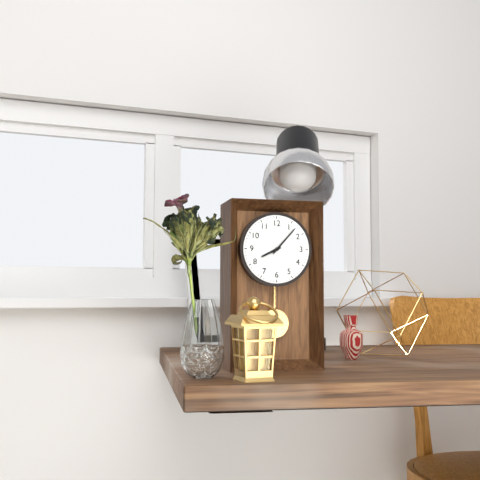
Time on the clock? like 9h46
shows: 8h07
